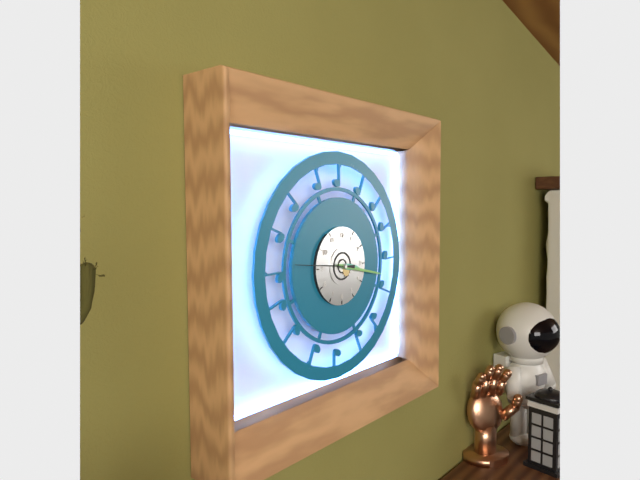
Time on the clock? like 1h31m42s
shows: 3h17m46s
